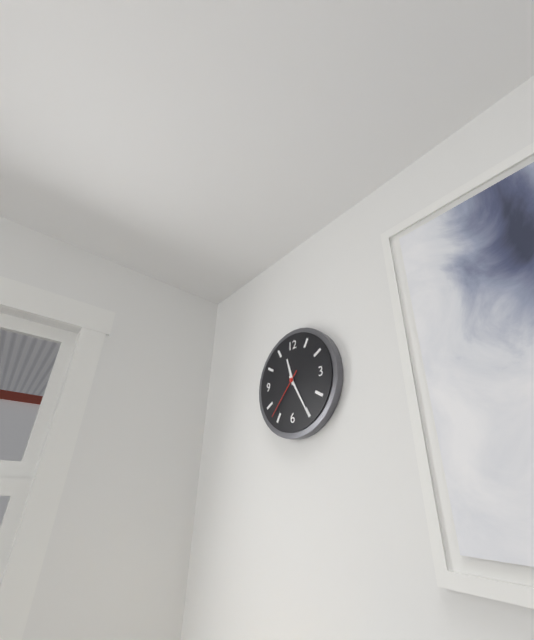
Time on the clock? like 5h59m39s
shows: 11h25m37s
